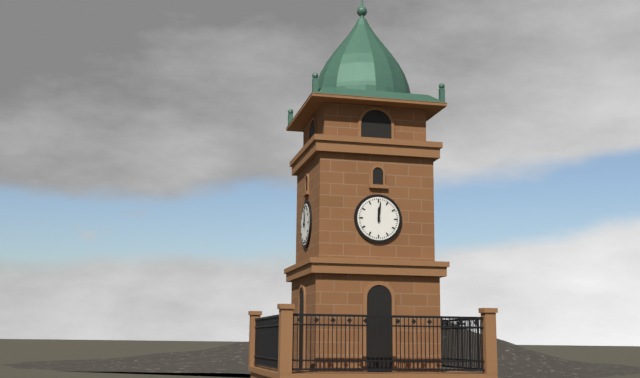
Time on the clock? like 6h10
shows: 12h01
